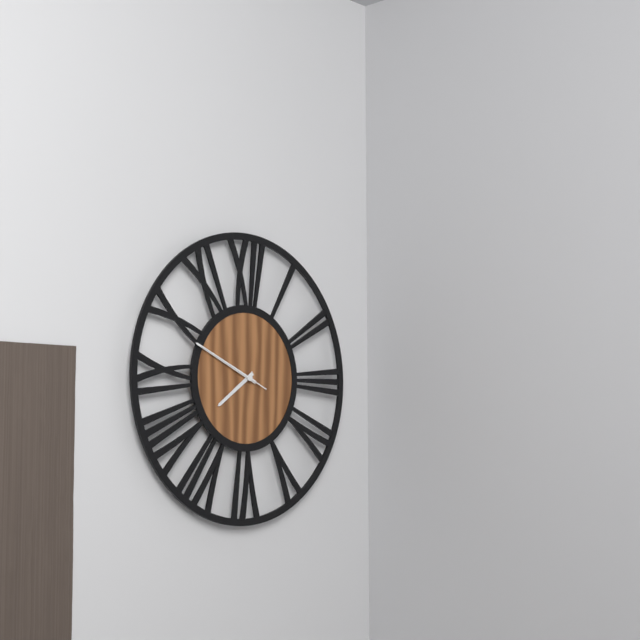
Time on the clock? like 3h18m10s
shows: 7h49m49s
